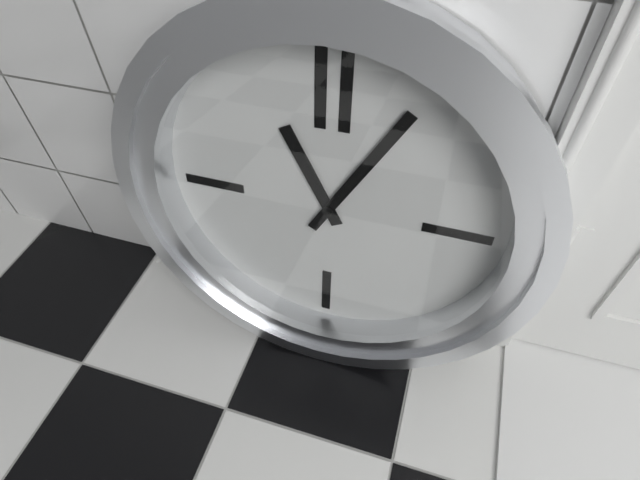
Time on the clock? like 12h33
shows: 11h05
